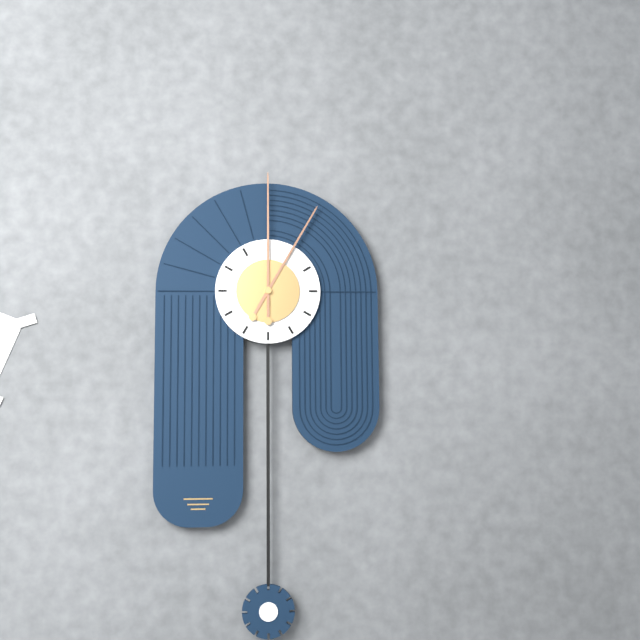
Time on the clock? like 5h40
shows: 1h00
